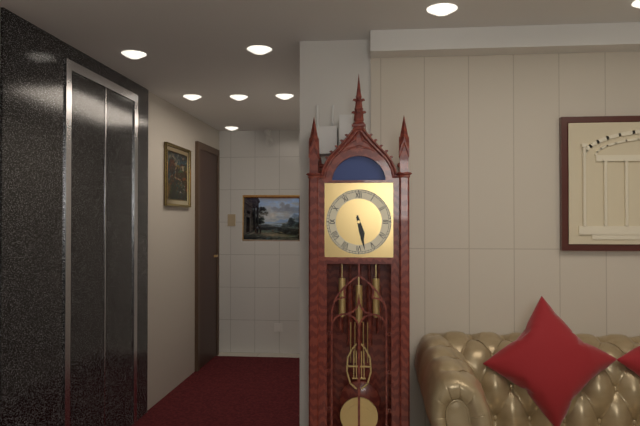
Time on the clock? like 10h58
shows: 5h28
